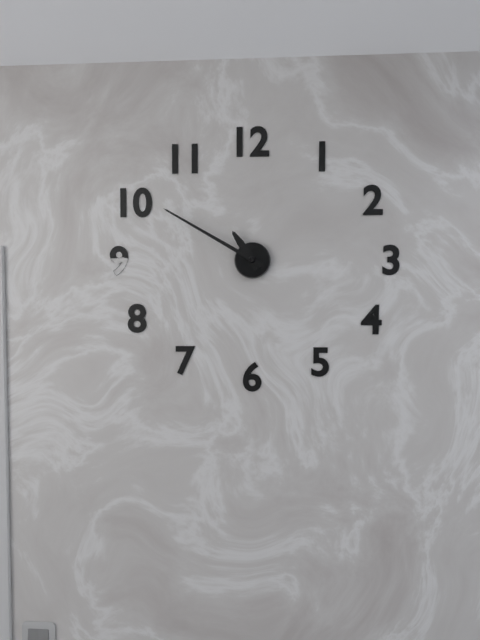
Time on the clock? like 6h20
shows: 10h50
